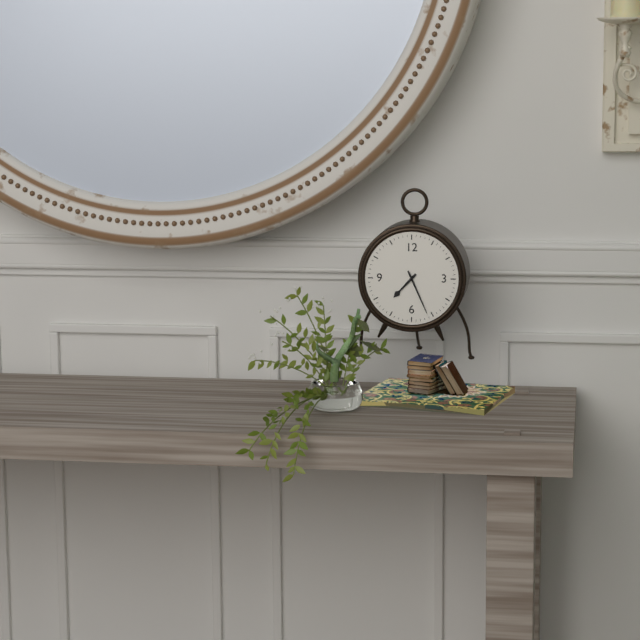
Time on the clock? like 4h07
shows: 7h26
